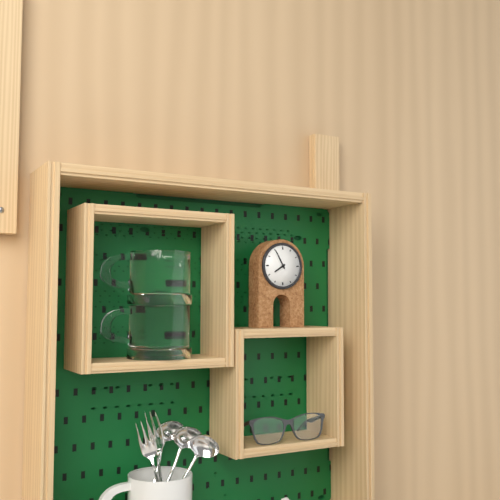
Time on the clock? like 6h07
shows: 7h55
